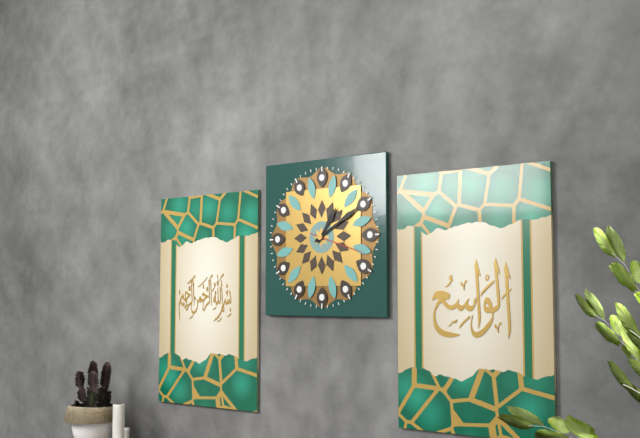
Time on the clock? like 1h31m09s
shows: 1h10m18s
